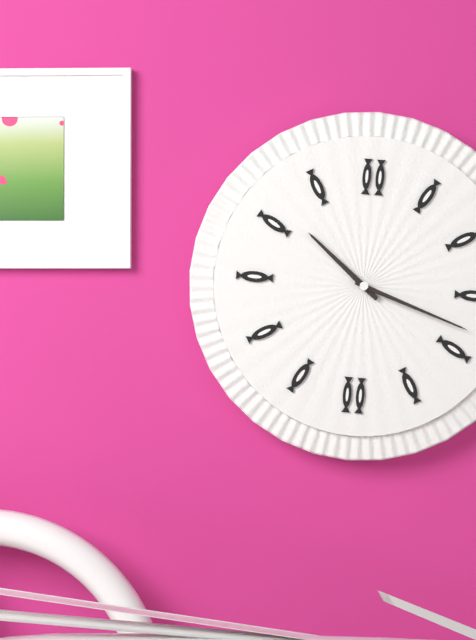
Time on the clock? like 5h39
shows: 10h18
